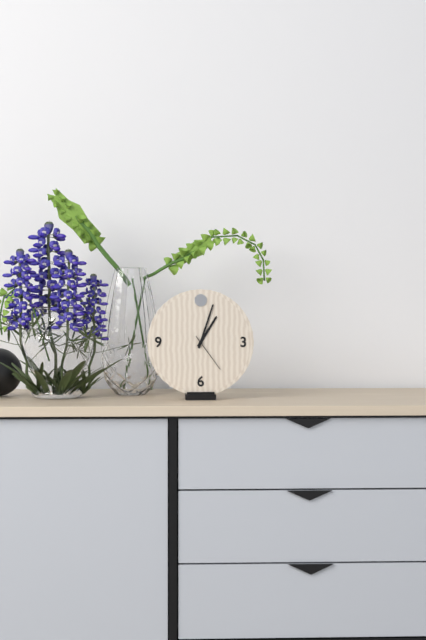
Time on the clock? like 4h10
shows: 1h03
